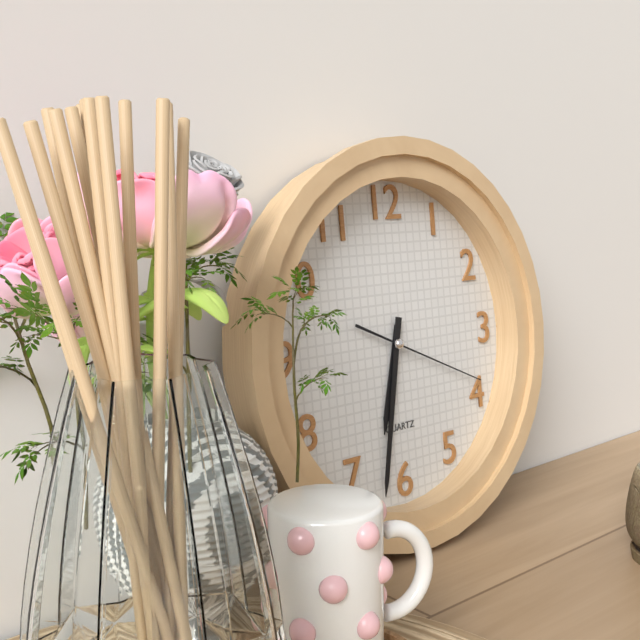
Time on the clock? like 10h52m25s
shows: 6h32m19s
